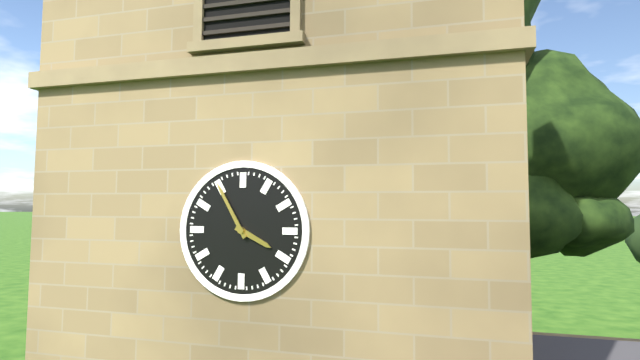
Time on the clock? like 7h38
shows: 3h55
